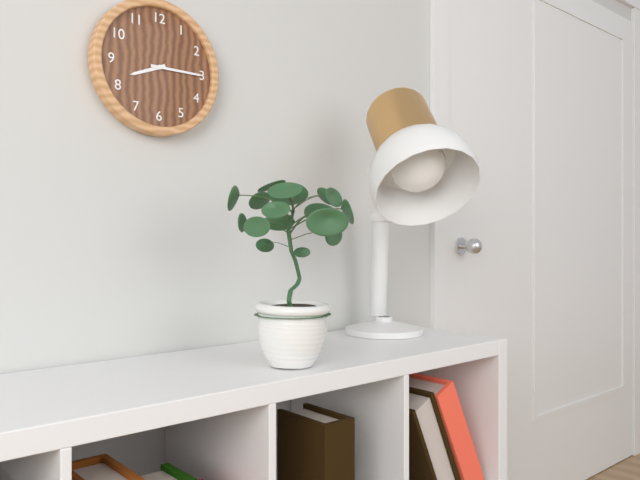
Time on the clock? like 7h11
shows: 8h15
